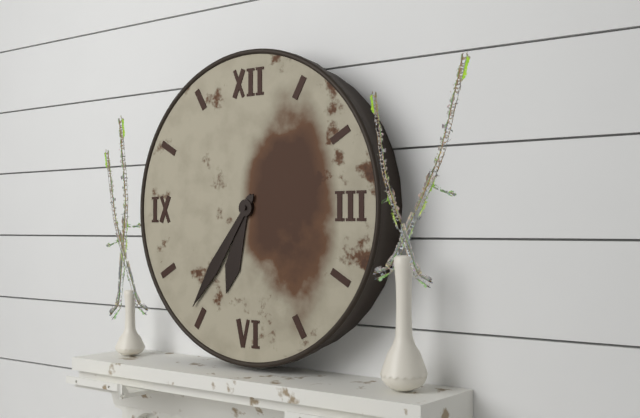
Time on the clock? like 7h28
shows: 6h36
